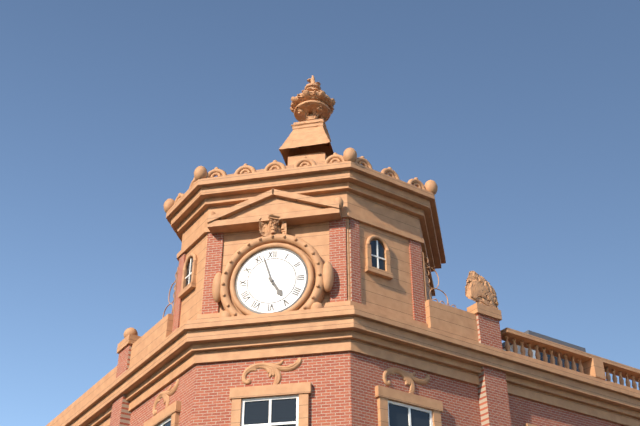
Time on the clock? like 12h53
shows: 4h57
